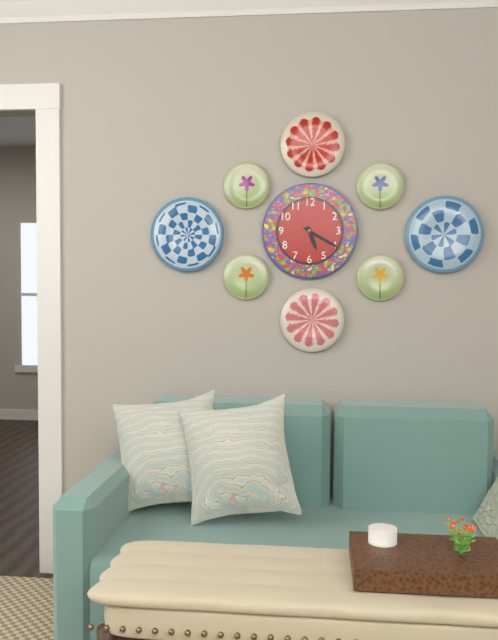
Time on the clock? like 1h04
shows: 5h20
